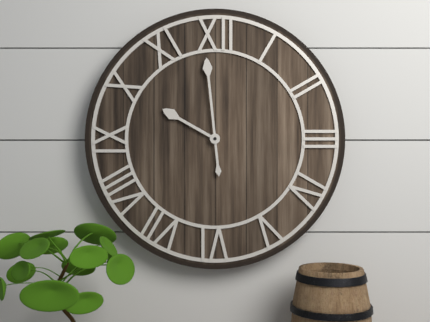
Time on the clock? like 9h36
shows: 9h59
